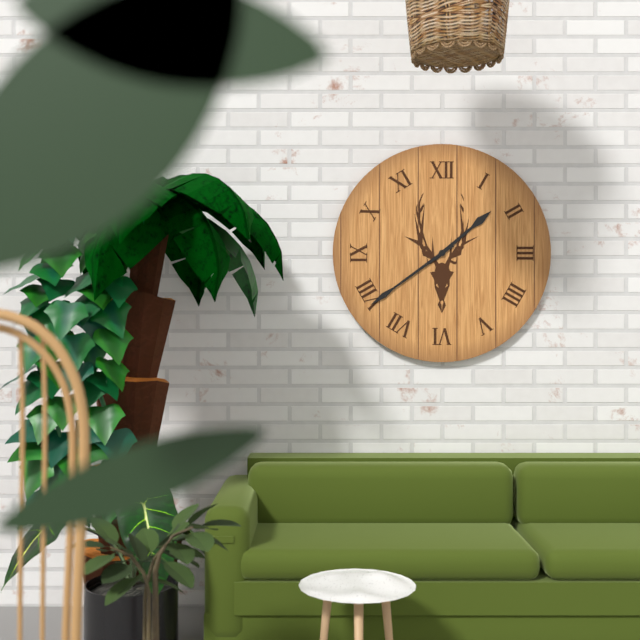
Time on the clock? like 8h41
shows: 1h39
